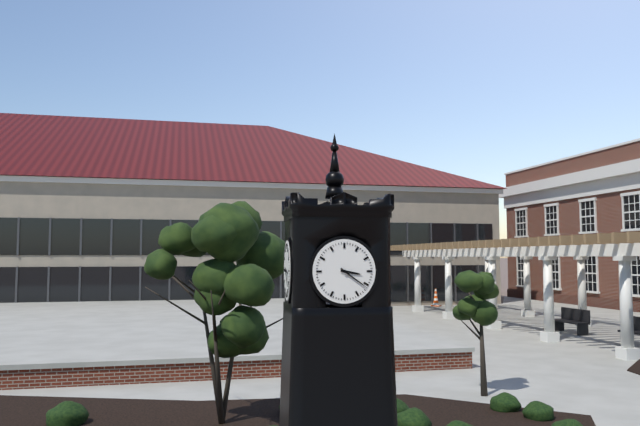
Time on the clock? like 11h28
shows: 3h21
